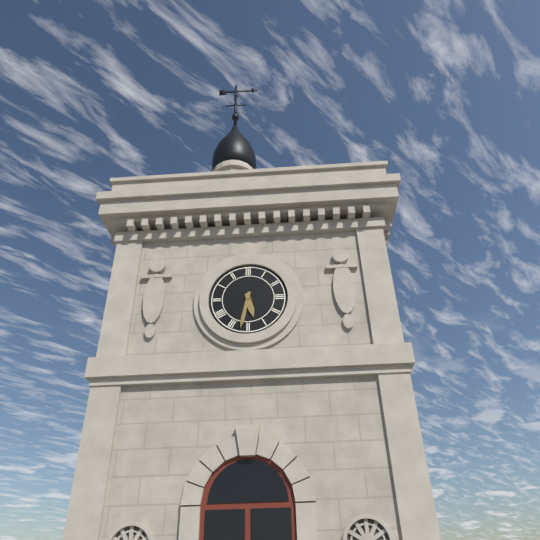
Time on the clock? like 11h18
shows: 5h32
